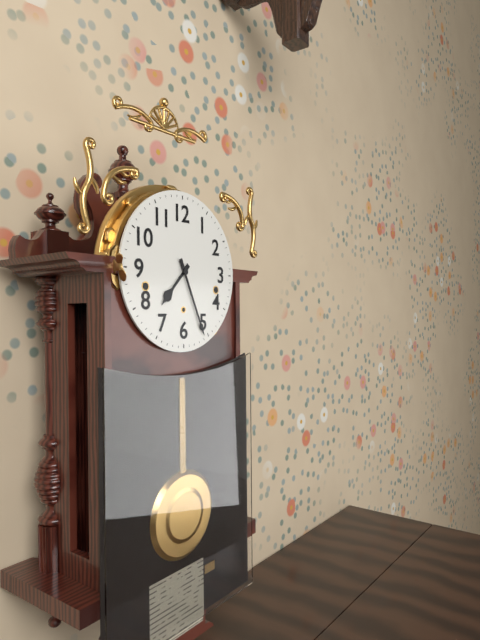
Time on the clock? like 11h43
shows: 7h26
